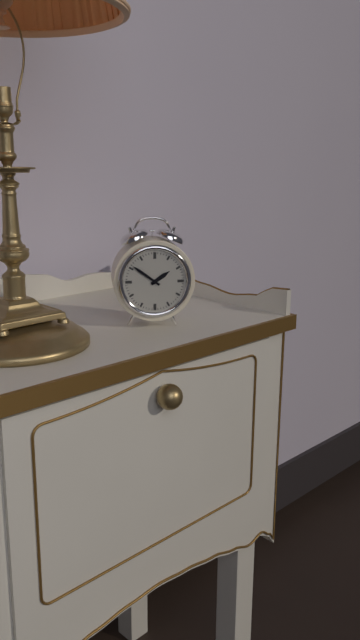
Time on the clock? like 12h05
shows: 1h51
